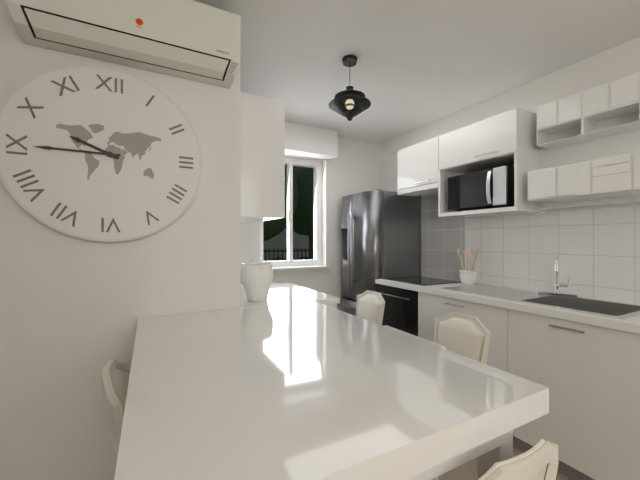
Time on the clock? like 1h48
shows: 9h45
